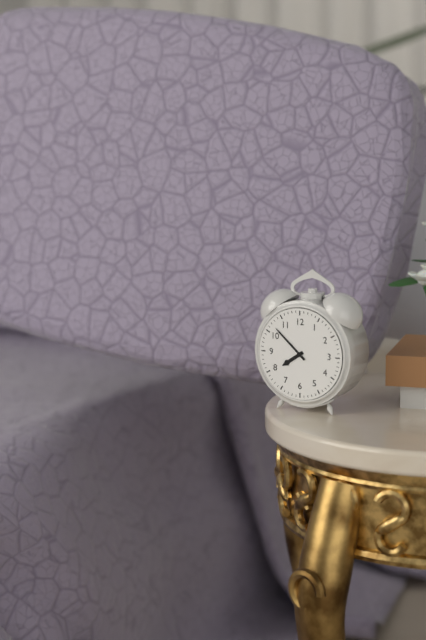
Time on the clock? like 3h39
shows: 7h52
